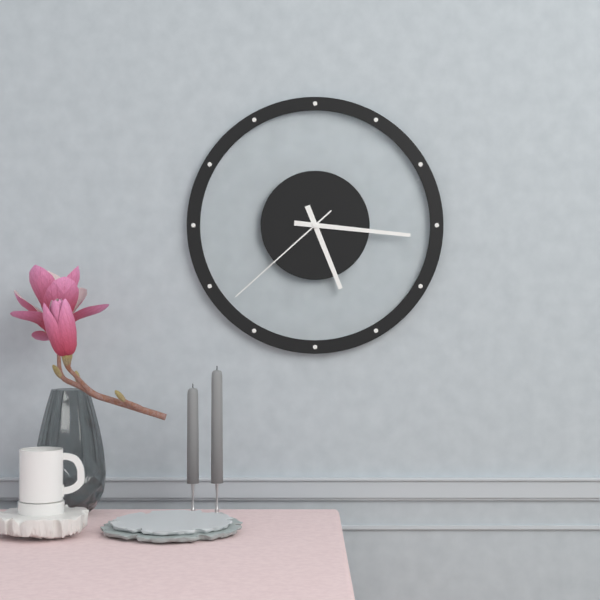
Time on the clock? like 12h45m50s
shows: 5h16m38s
